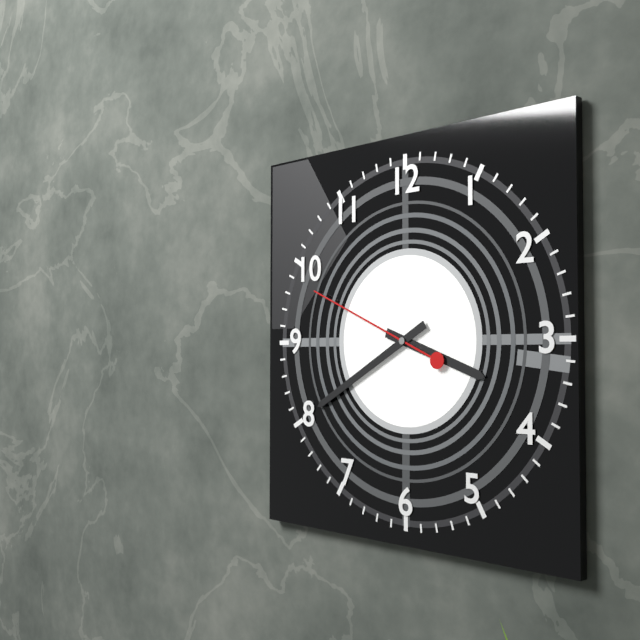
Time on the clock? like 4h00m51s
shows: 3h40m49s
